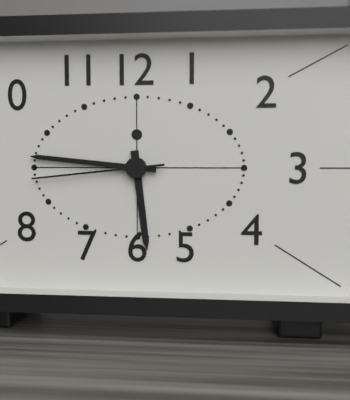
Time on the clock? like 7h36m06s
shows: 5h46m44s
